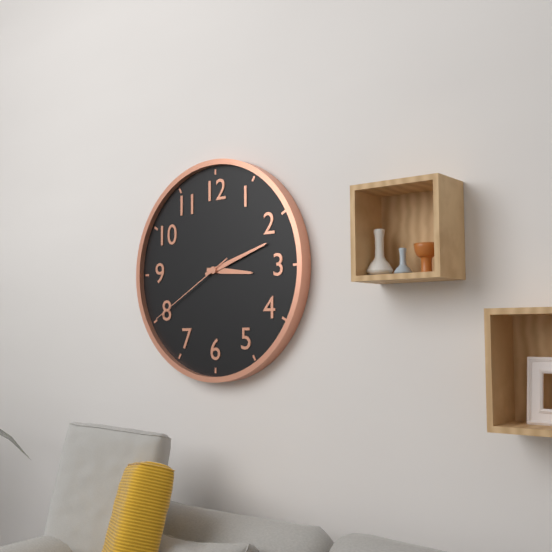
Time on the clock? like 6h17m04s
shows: 3h12m40s
